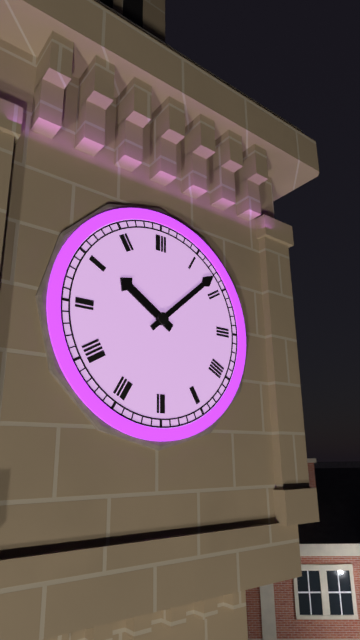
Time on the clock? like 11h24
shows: 10h08
